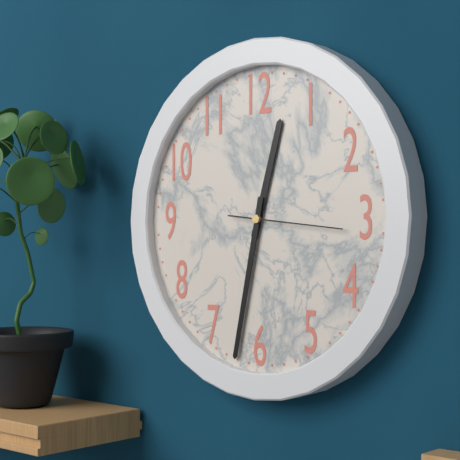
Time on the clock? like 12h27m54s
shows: 12h32m16s
